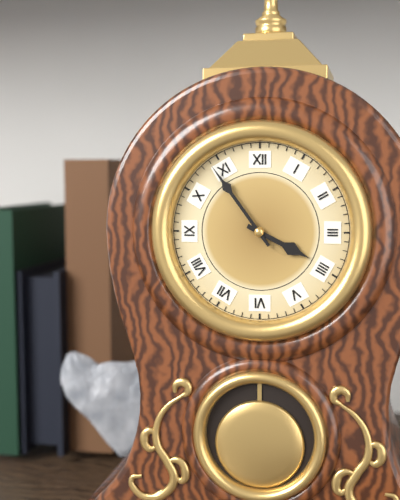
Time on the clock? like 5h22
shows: 3h54
